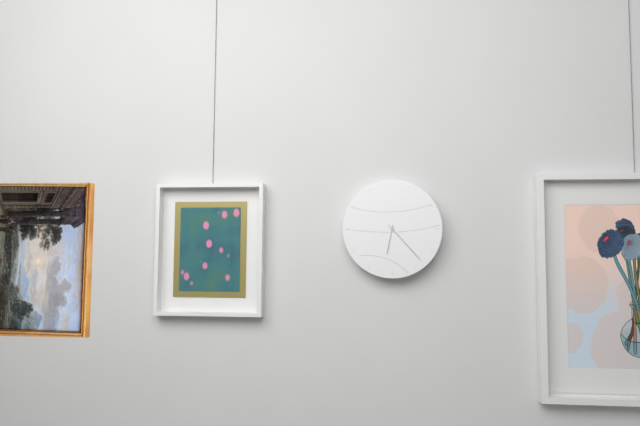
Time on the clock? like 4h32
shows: 6h23
